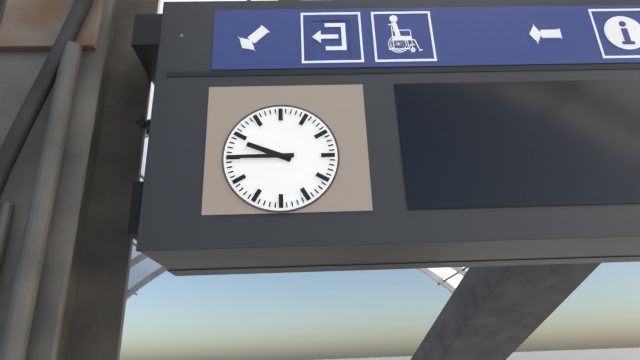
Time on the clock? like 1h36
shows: 9h45
